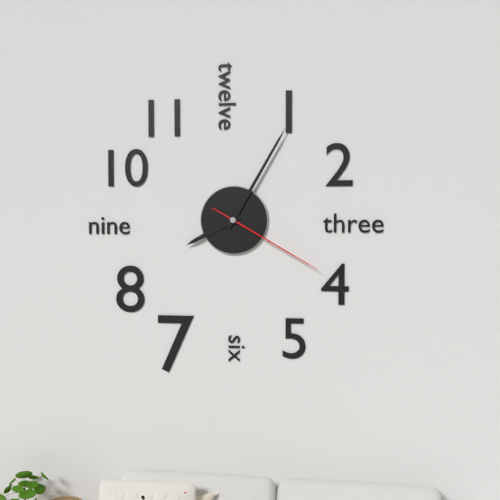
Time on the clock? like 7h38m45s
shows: 8h05m20s
